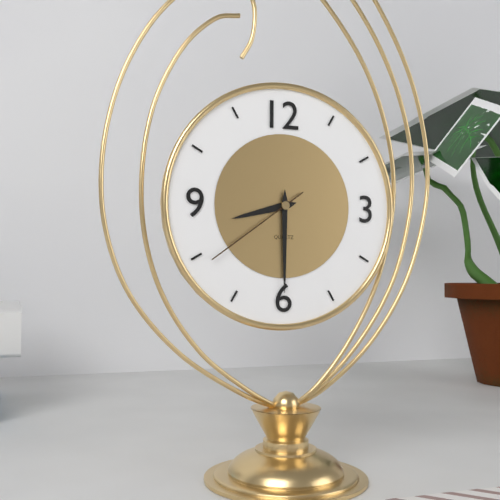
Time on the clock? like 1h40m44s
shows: 8h30m39s
